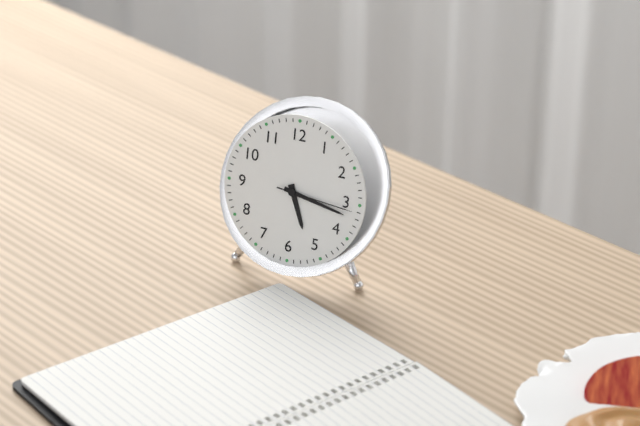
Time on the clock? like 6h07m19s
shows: 5h17m16s
